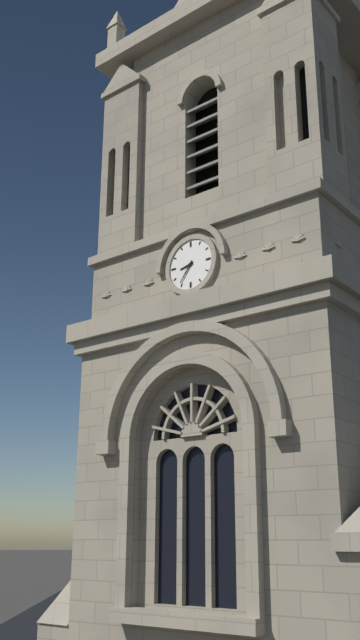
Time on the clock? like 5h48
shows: 8h36
